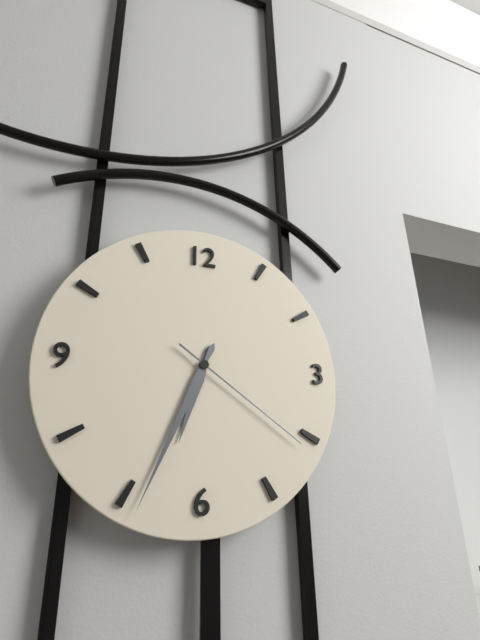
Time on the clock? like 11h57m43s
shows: 6h34m21s
